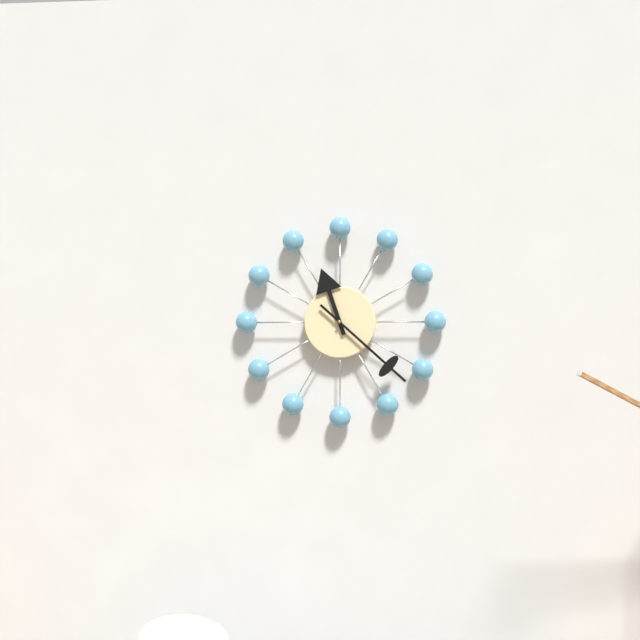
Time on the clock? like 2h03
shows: 11h22
